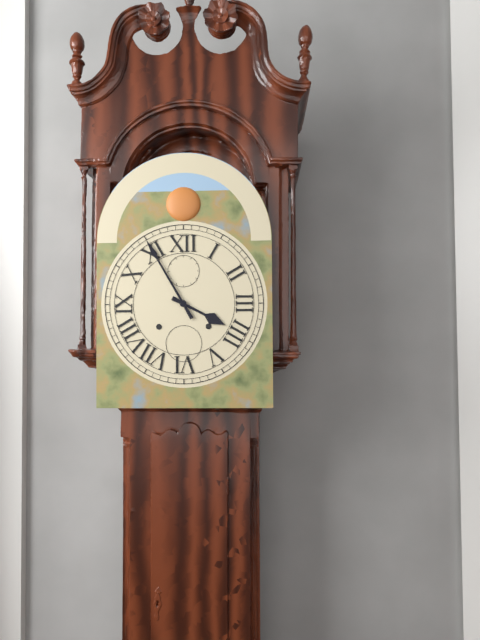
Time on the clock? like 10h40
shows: 3h55
